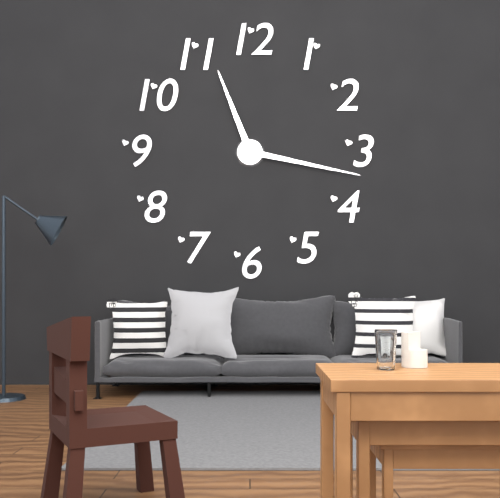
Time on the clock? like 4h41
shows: 11h17
